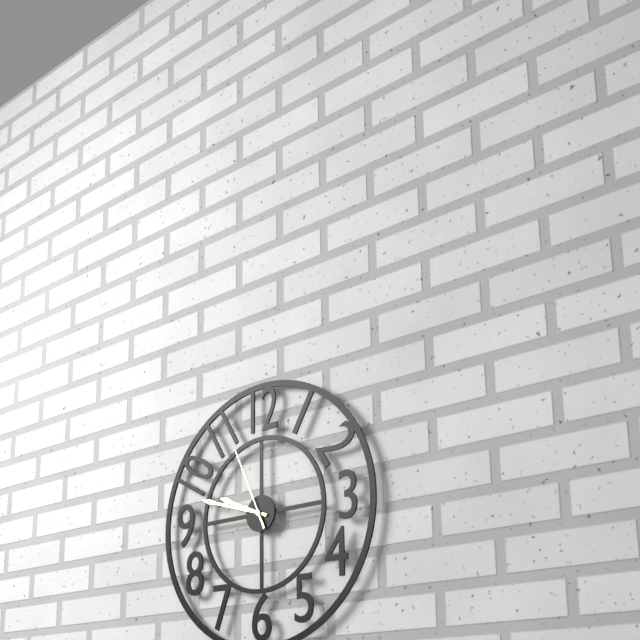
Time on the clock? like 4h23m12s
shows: 9h48m56s
